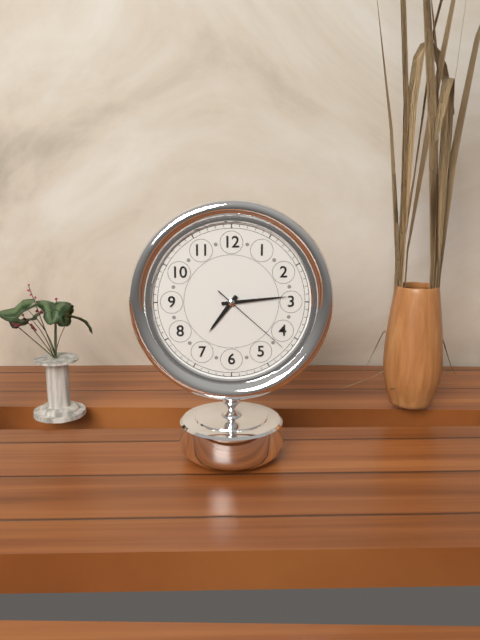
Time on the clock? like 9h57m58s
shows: 7h14m22s
